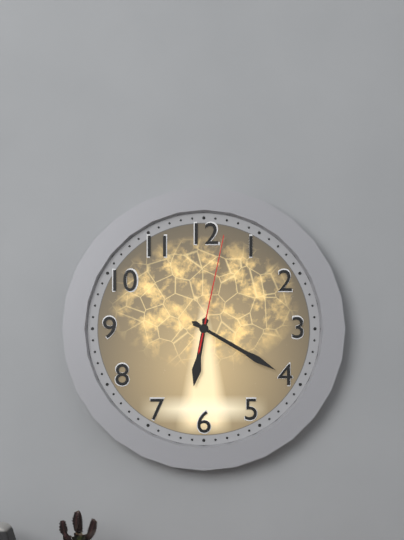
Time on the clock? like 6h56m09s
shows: 6h20m02s
